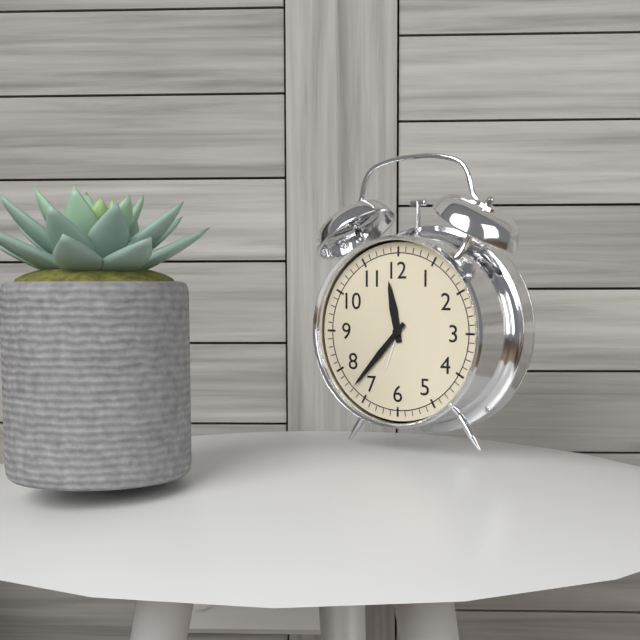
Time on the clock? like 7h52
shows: 11h37
